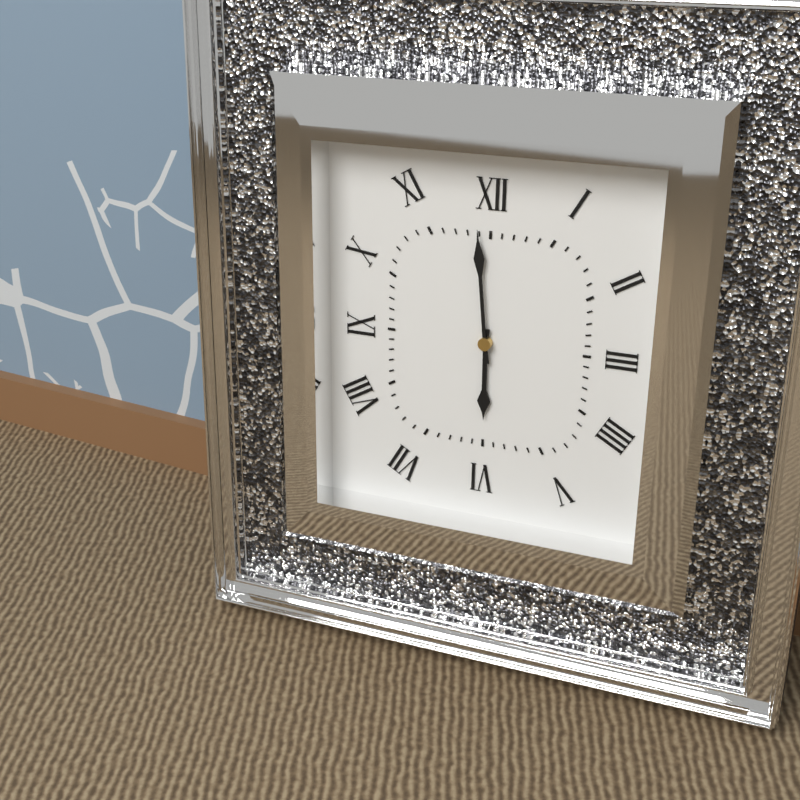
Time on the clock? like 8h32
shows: 5h59
